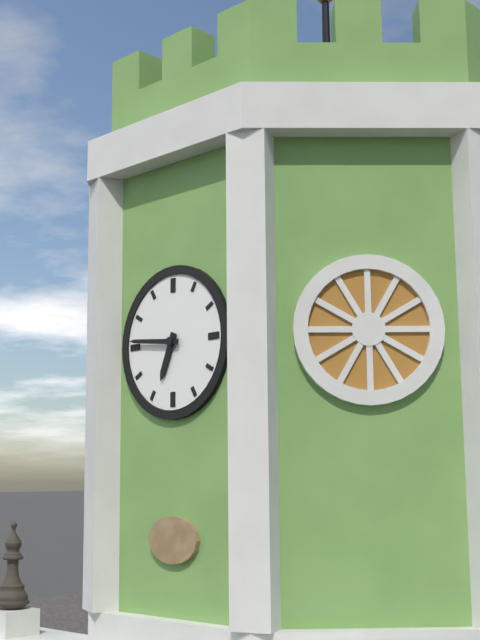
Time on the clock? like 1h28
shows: 6h46
